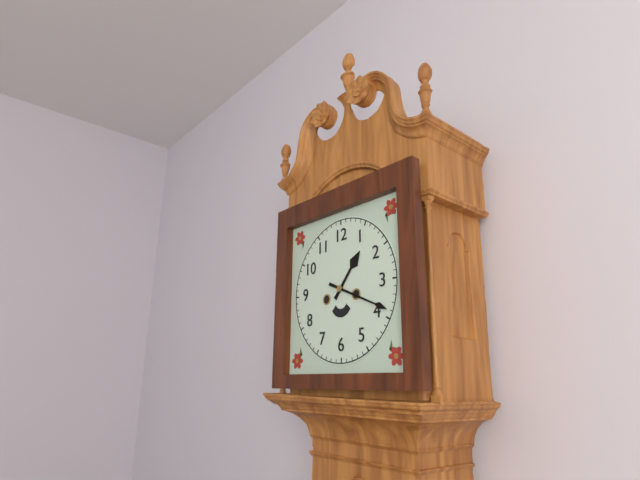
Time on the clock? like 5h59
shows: 1h19
